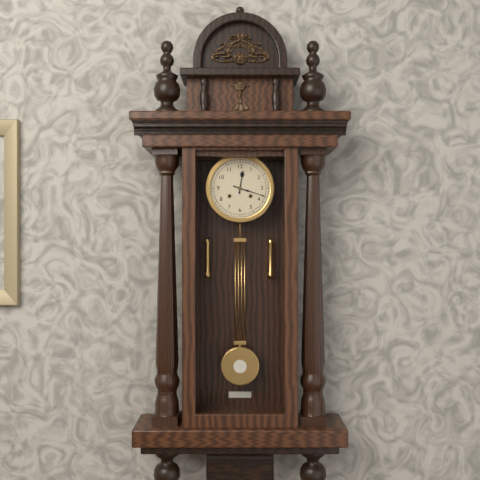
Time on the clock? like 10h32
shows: 12h18
